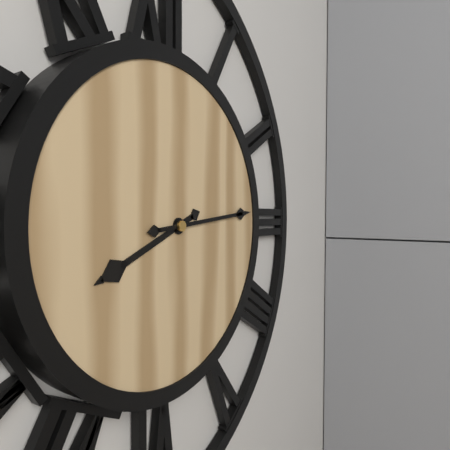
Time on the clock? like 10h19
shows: 8h14
